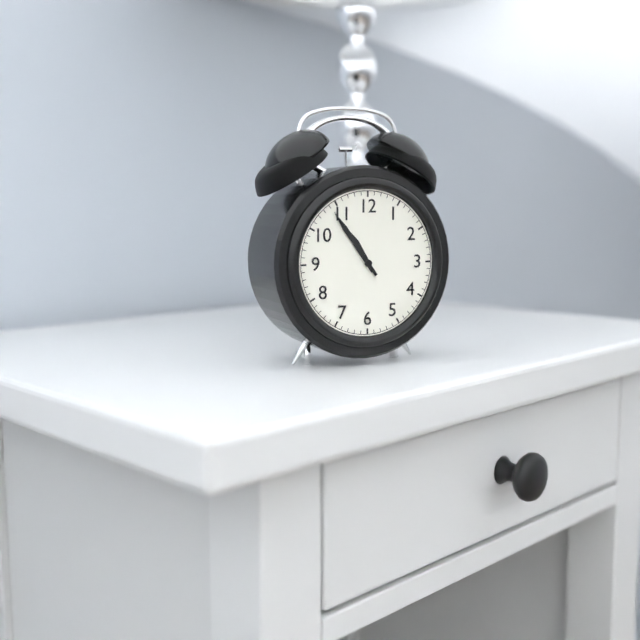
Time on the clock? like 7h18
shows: 10h54
